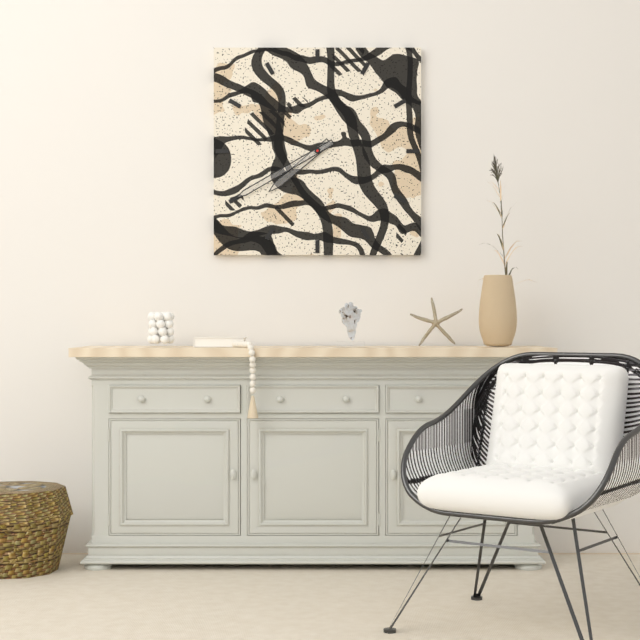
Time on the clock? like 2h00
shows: 7h40
